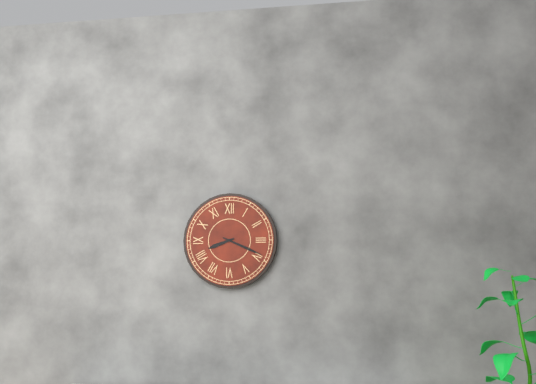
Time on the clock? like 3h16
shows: 8h19
